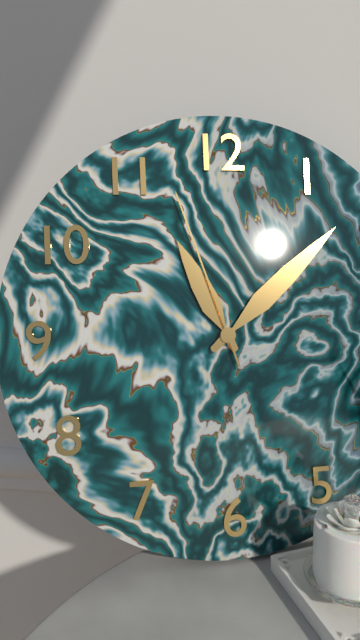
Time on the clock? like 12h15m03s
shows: 11h08m57s
